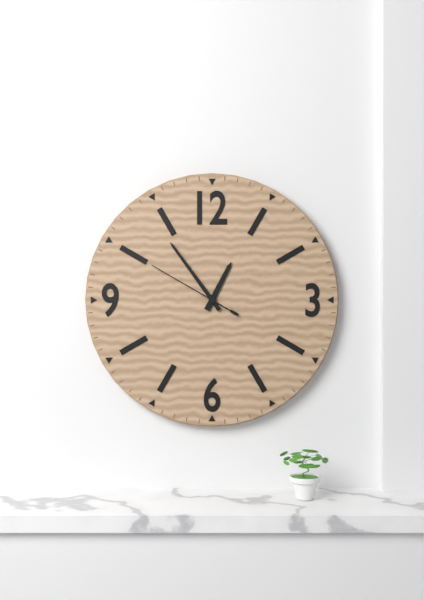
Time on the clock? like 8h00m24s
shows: 12h54m50s
